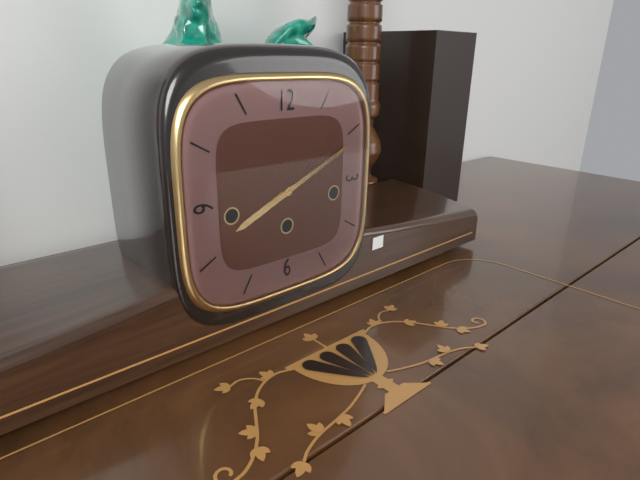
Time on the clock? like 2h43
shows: 8h11
